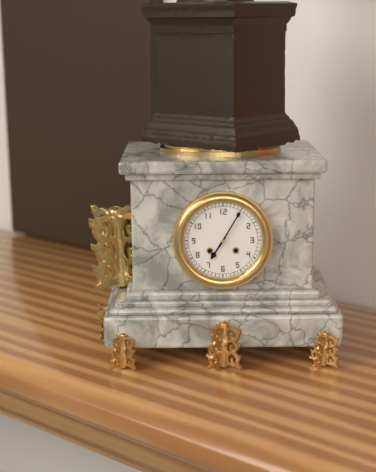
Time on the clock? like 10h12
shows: 7h05
